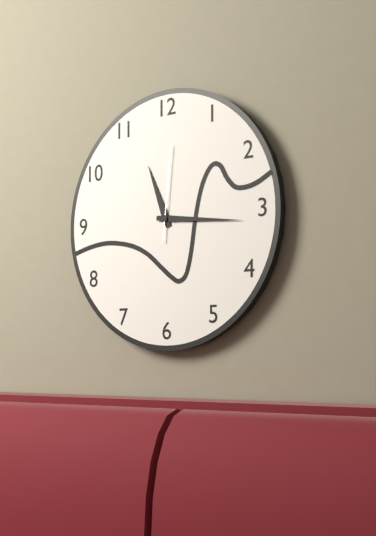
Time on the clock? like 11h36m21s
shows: 11h16m01s
